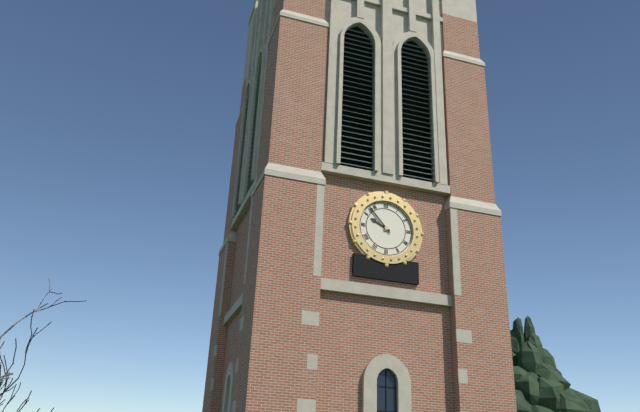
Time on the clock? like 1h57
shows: 9h53
